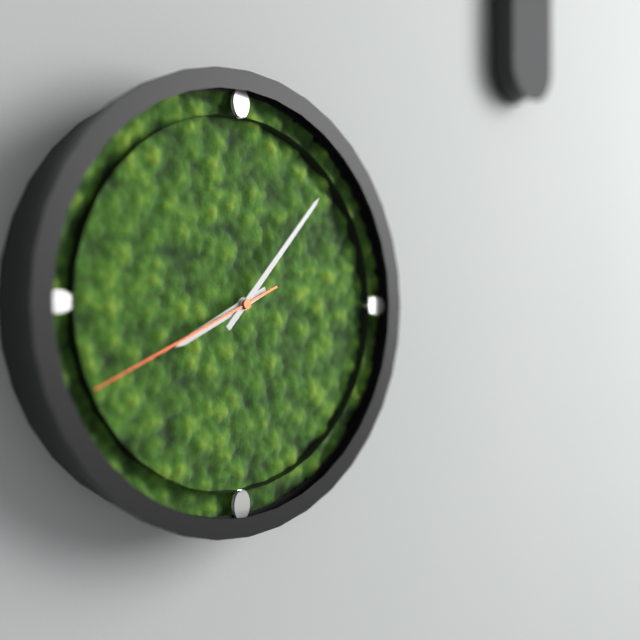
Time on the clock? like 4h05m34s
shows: 8h07m41s
